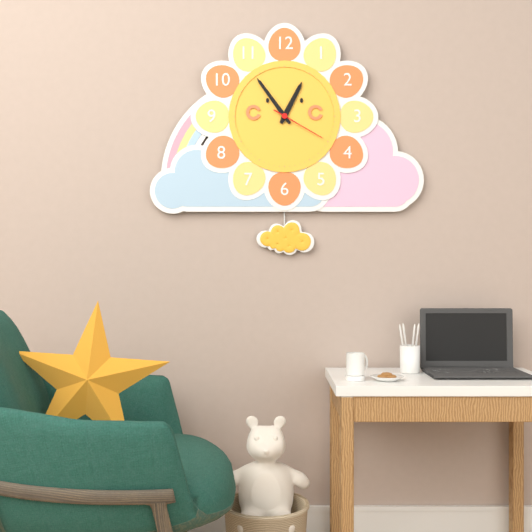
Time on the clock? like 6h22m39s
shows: 12h54m20s
